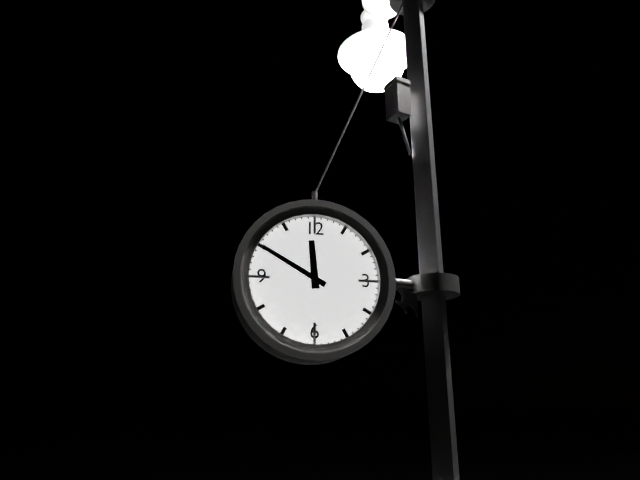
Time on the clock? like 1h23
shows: 11h50
